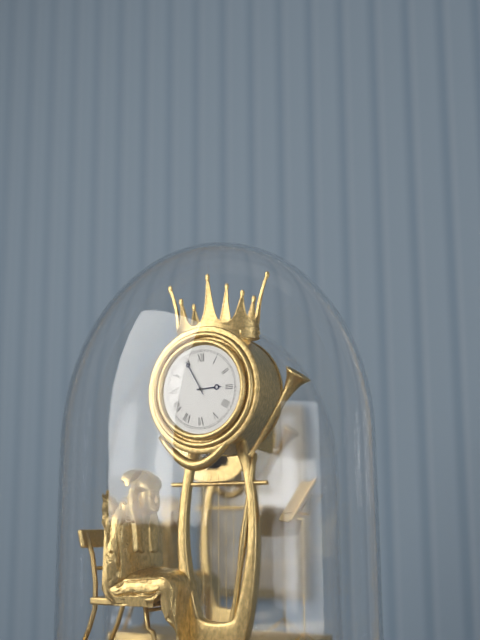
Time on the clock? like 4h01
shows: 2h55
